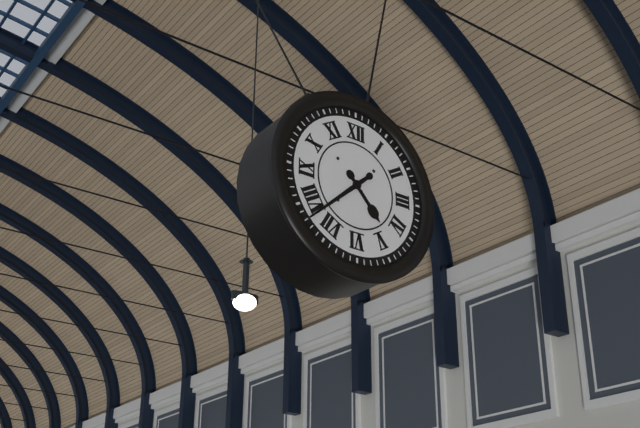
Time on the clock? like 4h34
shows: 4h38
